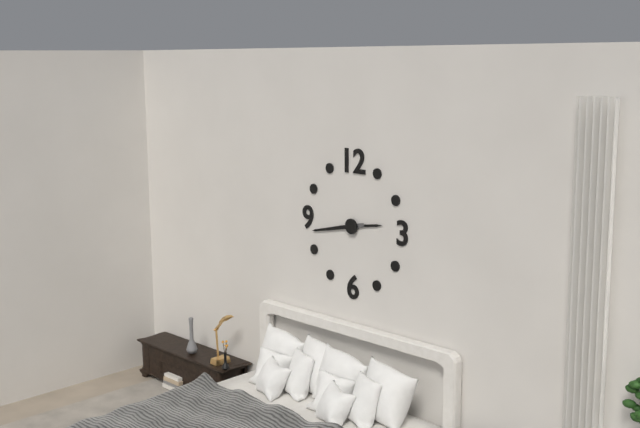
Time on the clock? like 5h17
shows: 2h43
